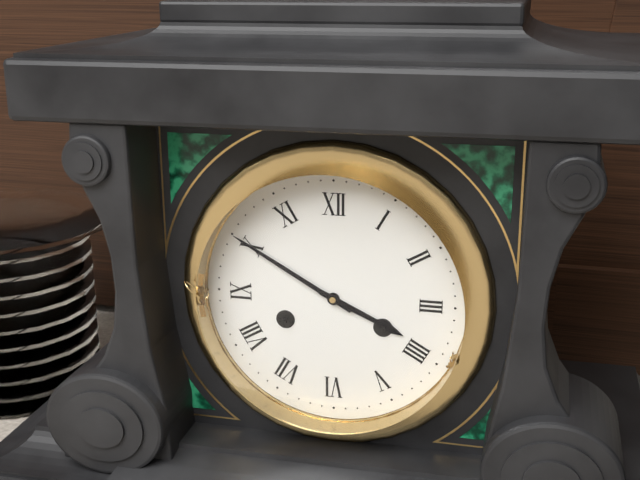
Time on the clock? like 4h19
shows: 3h50
